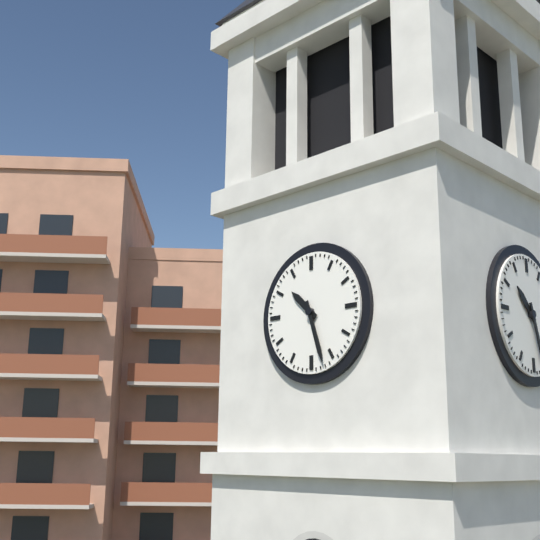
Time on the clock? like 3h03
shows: 10h27
